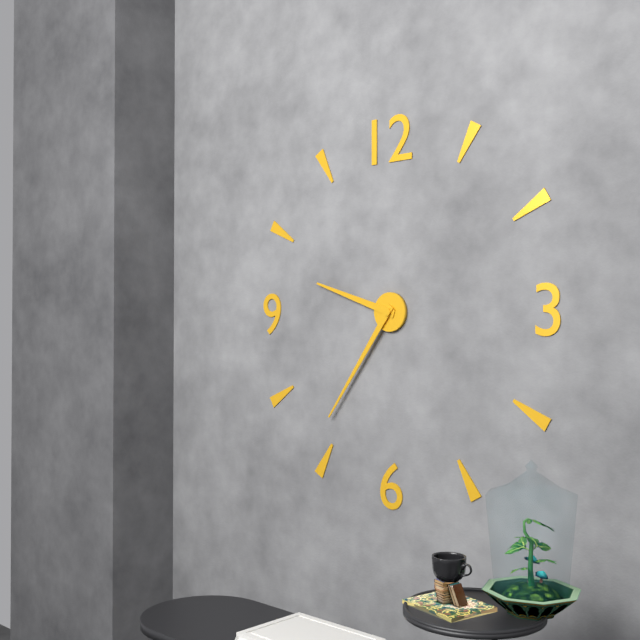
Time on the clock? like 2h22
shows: 9h36
